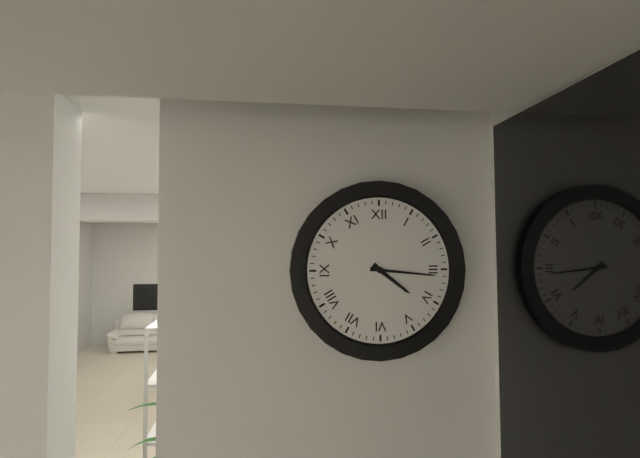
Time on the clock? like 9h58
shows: 4h16
